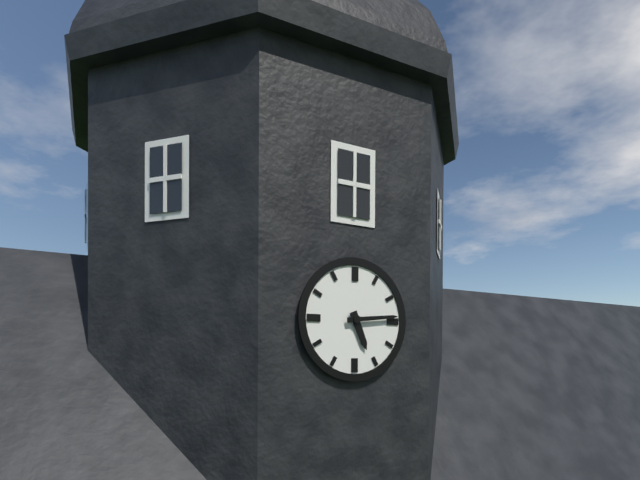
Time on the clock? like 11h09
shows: 5h14
